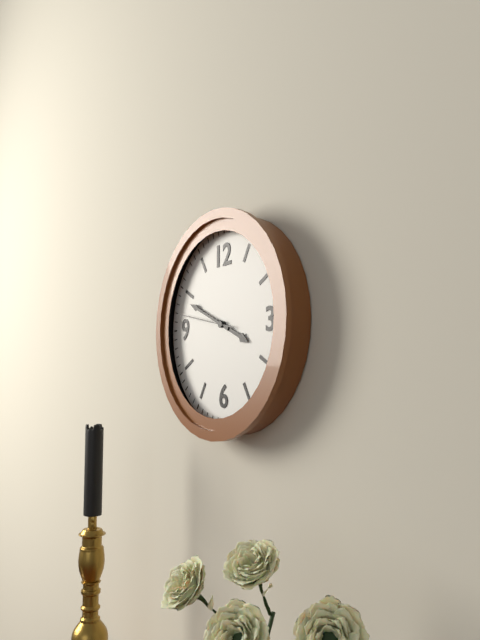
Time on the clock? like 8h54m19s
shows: 3h49m47s
